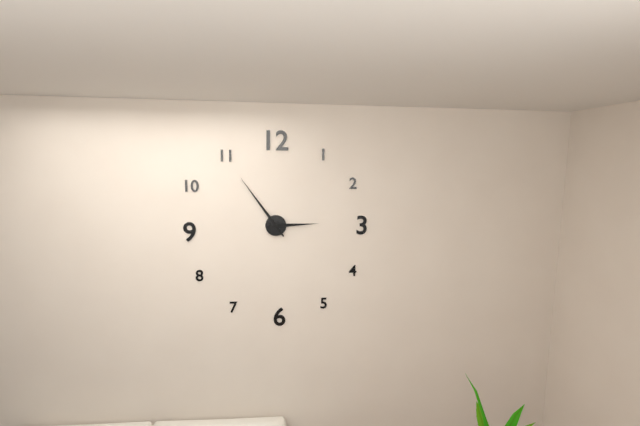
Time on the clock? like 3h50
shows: 2h54
